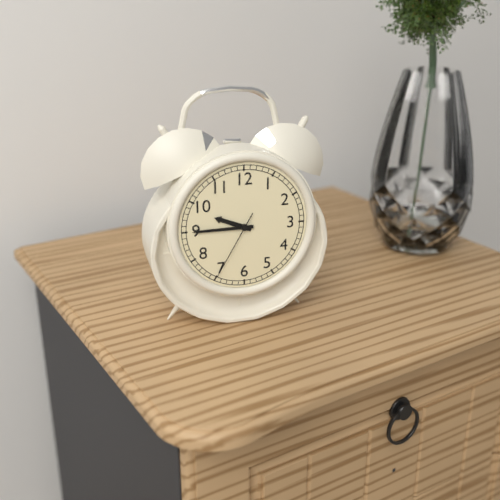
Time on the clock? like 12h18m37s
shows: 9h45m35s
